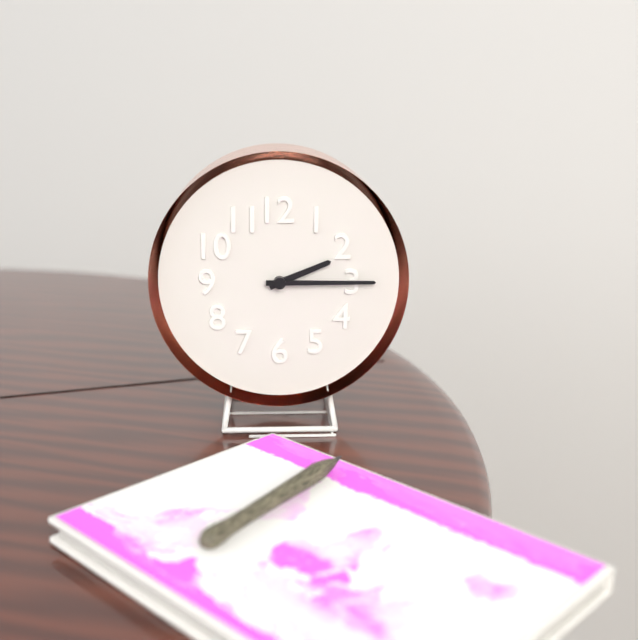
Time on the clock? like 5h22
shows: 2h15
